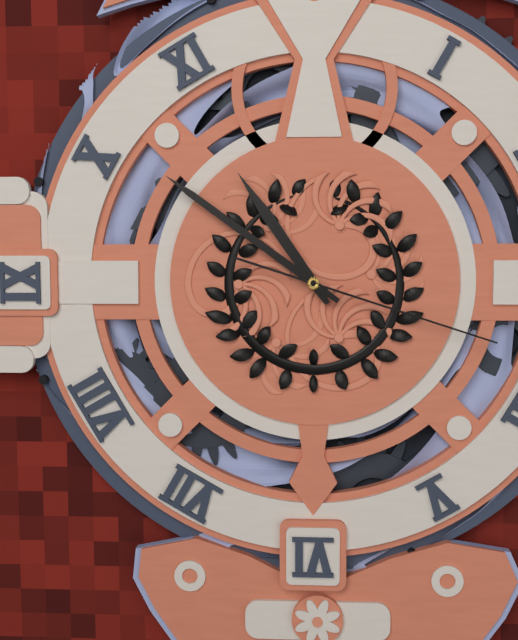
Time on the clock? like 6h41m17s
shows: 10h51m18s
